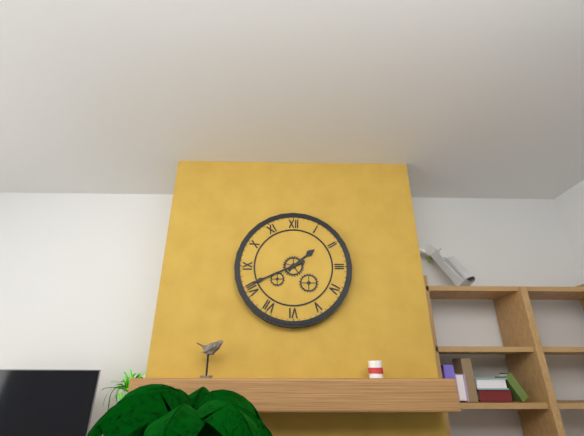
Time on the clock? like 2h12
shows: 1h41
